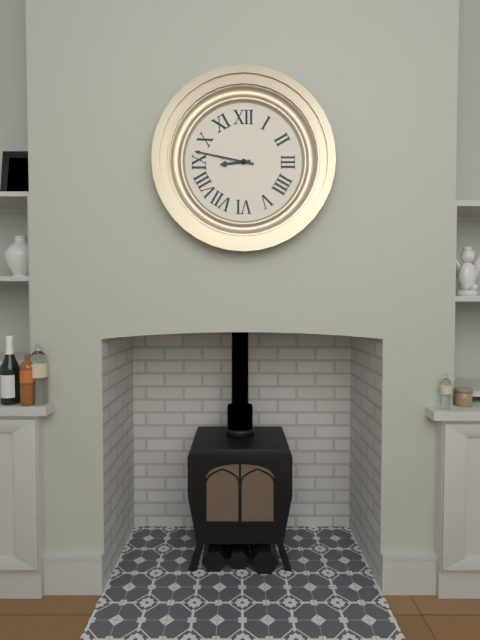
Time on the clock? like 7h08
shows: 8h47
